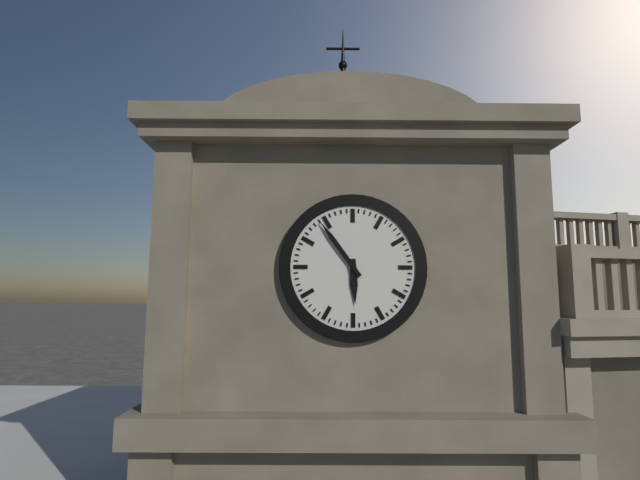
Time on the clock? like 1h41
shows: 5h54
